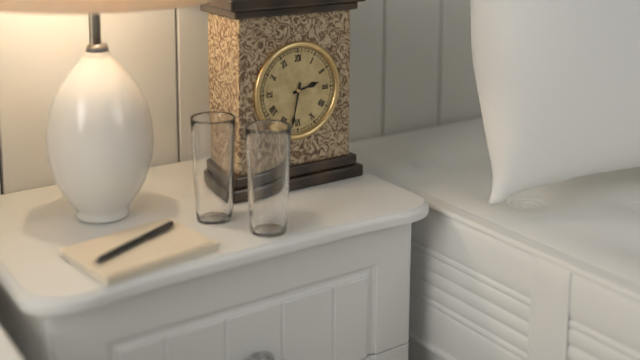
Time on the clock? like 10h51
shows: 2h32
